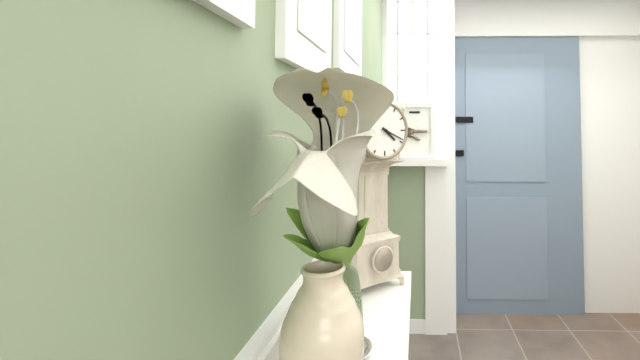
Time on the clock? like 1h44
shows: 4h19
